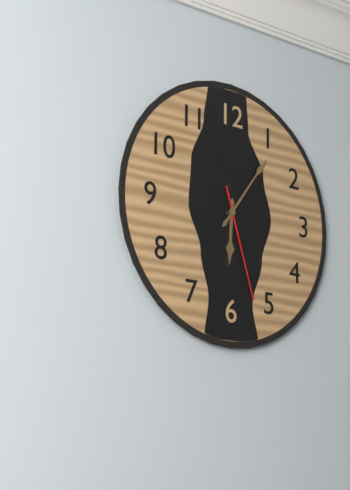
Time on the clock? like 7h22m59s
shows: 6h06m27s
